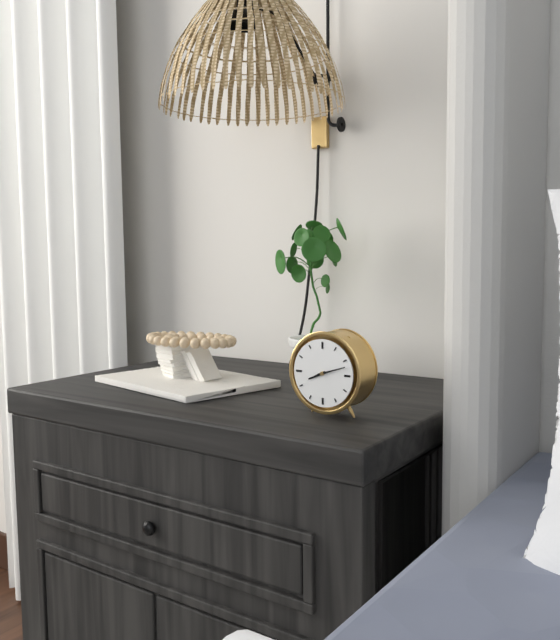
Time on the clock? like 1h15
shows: 8h12
